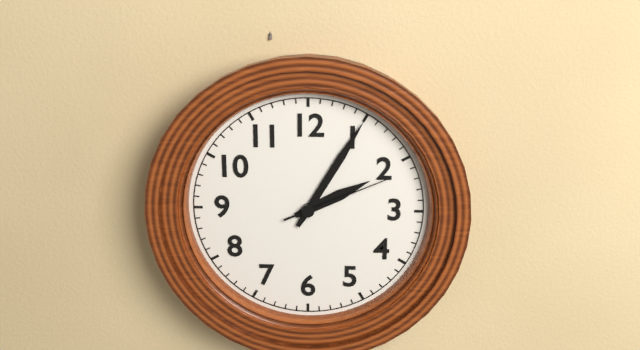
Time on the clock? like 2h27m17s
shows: 2h05m11s
